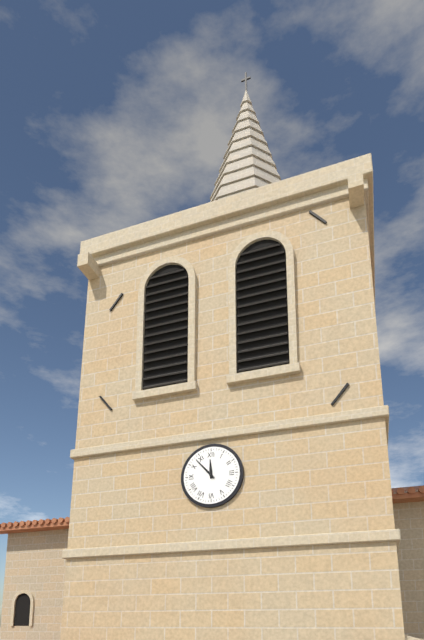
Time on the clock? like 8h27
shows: 11h53
